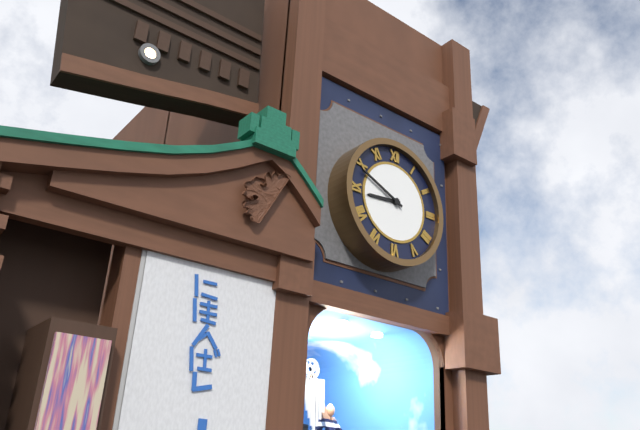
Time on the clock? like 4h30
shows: 8h49
